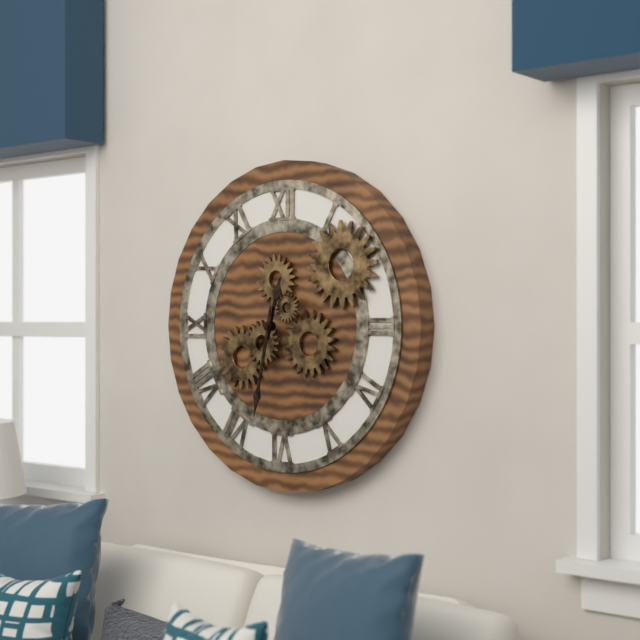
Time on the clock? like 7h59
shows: 12h32
